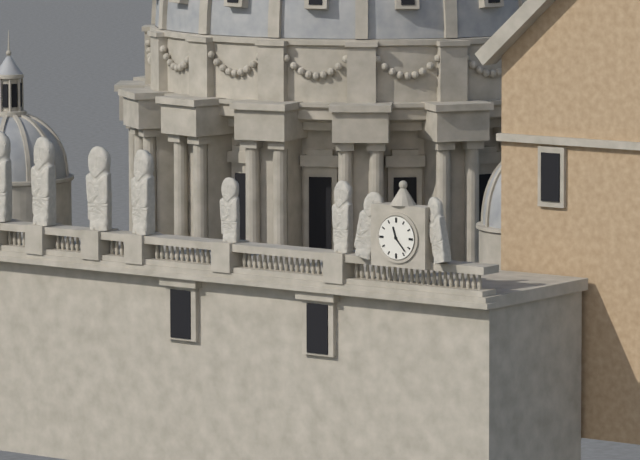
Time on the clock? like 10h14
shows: 11h23
